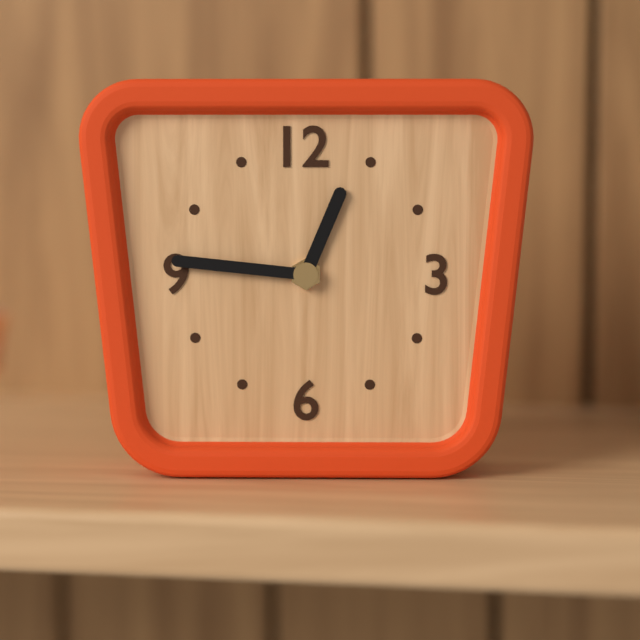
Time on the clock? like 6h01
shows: 12h46
